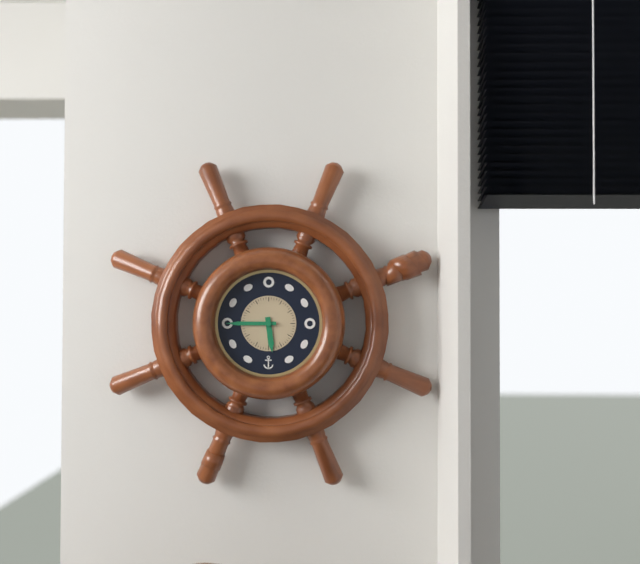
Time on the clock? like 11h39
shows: 5h45
